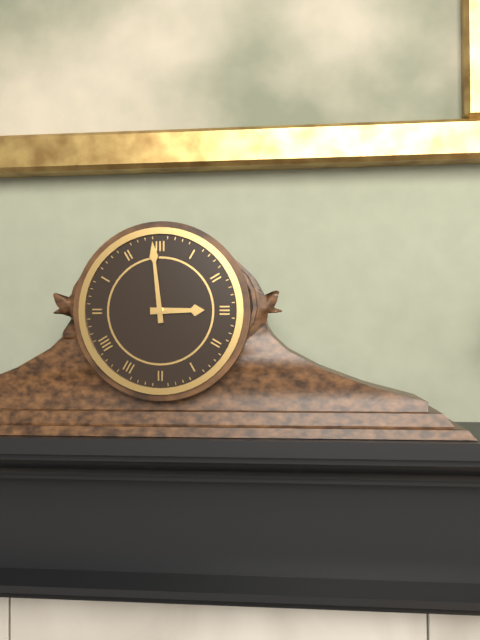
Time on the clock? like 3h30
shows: 2h59
